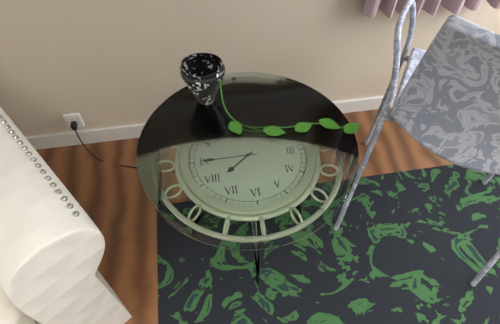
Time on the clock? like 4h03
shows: 7h45
